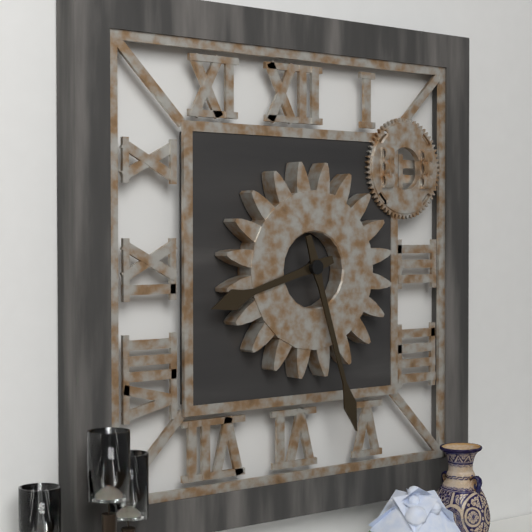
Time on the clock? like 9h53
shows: 8h27
